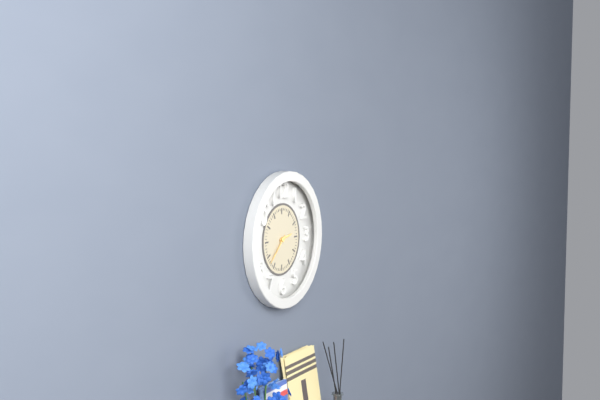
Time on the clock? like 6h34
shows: 2h38
